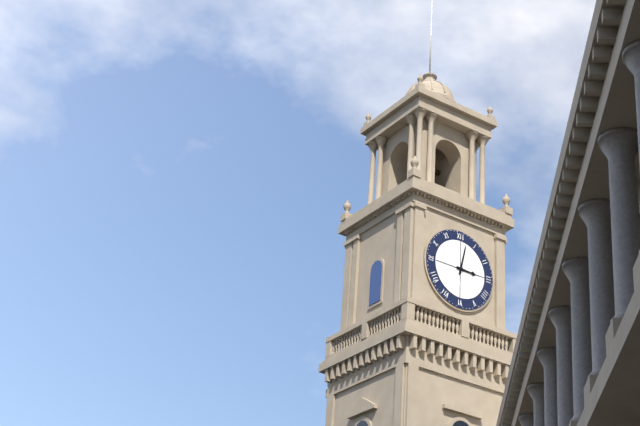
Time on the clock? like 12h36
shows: 3h02
